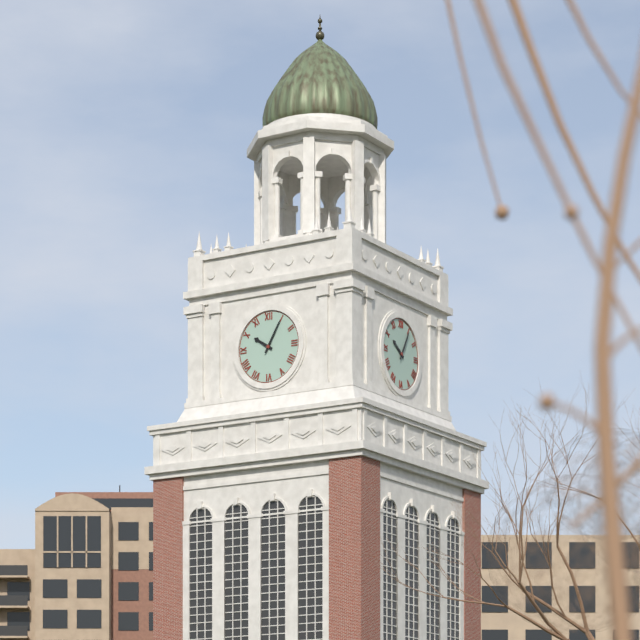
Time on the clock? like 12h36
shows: 10h05
